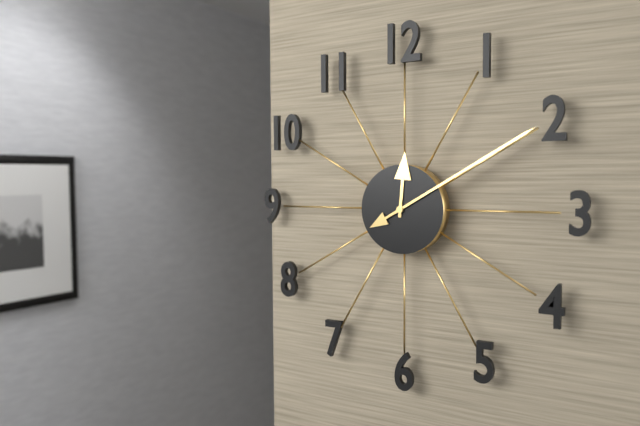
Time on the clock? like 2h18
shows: 12h10
